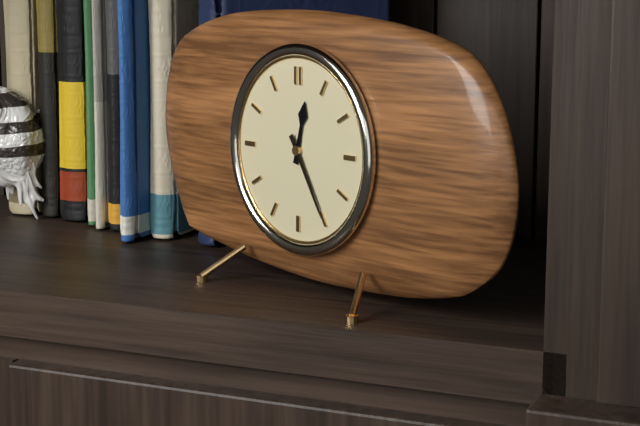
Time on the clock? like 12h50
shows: 12h25
